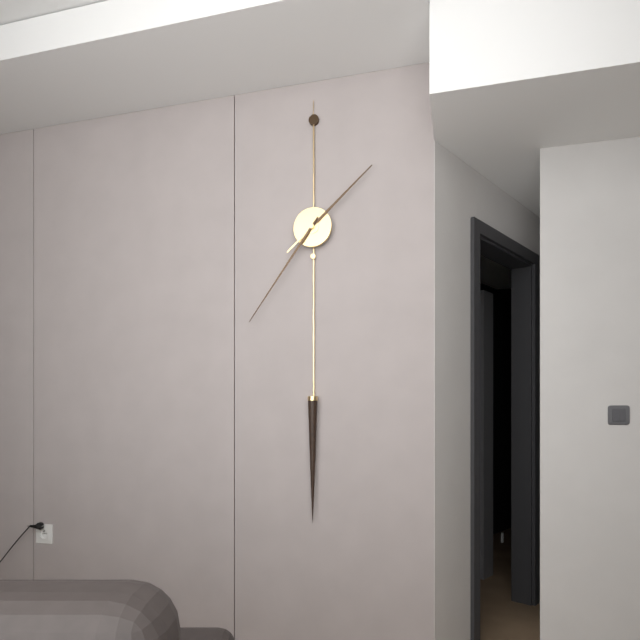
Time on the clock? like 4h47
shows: 1h36
